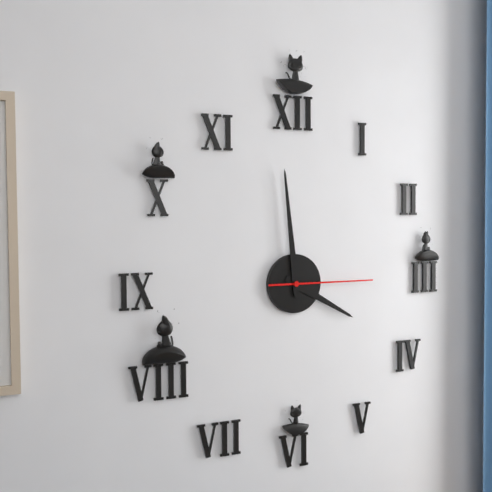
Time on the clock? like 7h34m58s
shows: 3h59m15s
